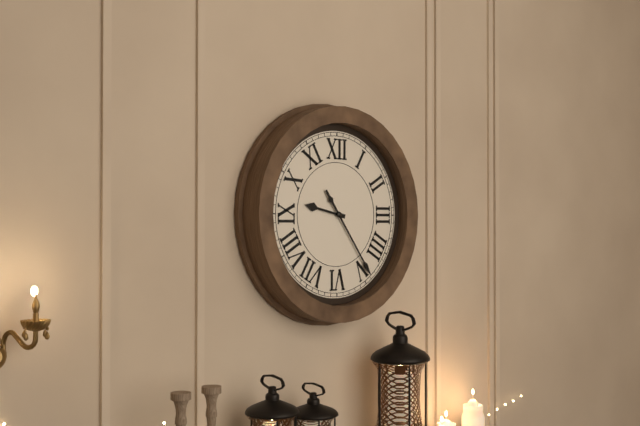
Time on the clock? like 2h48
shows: 9h24
